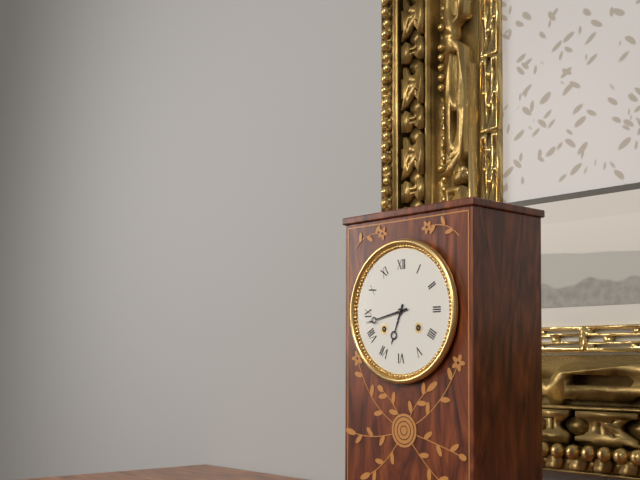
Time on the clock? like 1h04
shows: 6h43
